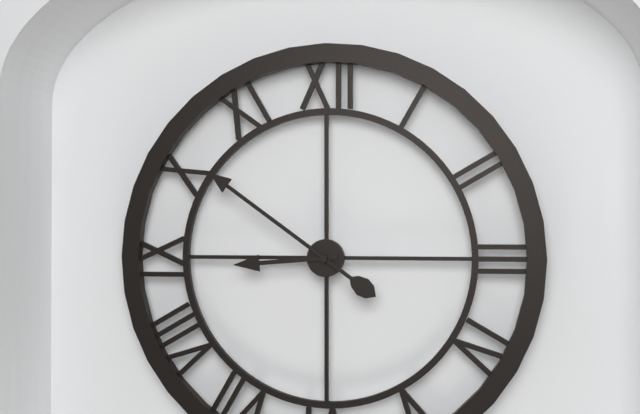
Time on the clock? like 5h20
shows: 8h51
